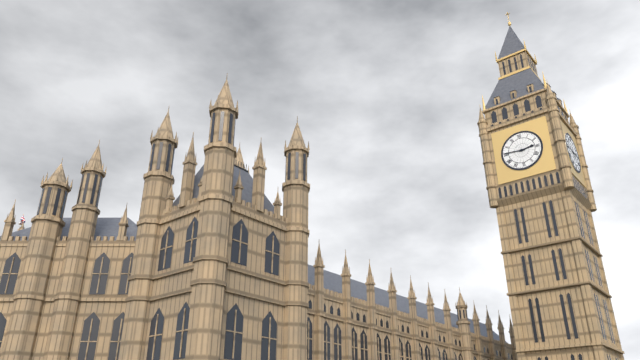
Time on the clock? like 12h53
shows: 2h46
